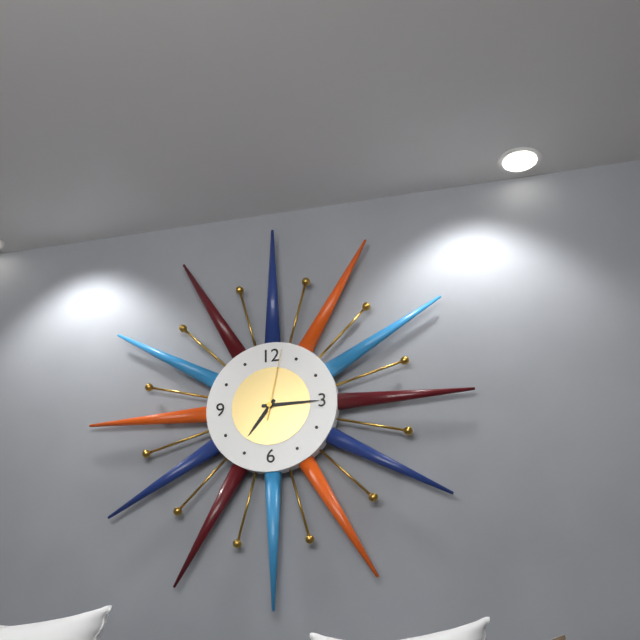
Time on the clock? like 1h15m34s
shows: 7h15m02s
